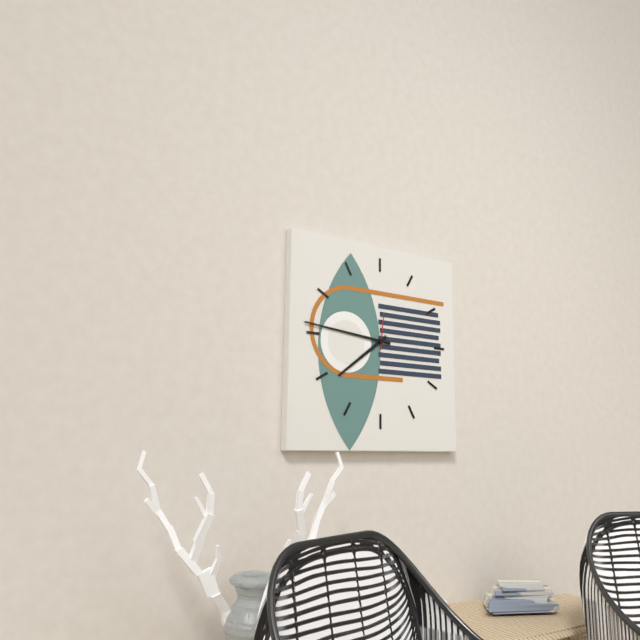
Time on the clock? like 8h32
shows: 7h46
